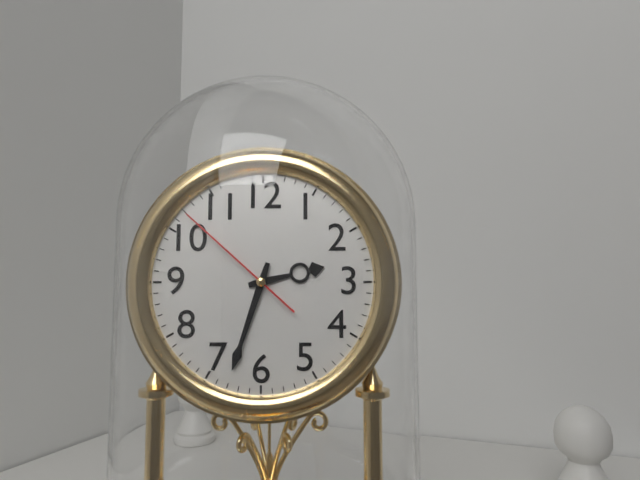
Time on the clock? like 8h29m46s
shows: 2h33m52s
